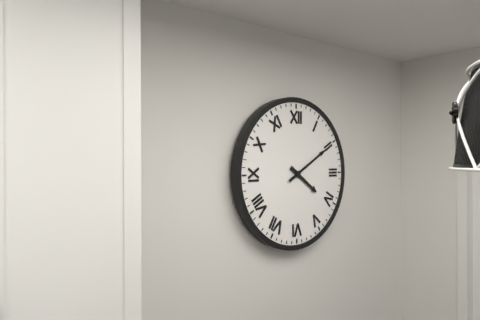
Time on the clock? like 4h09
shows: 4h10
